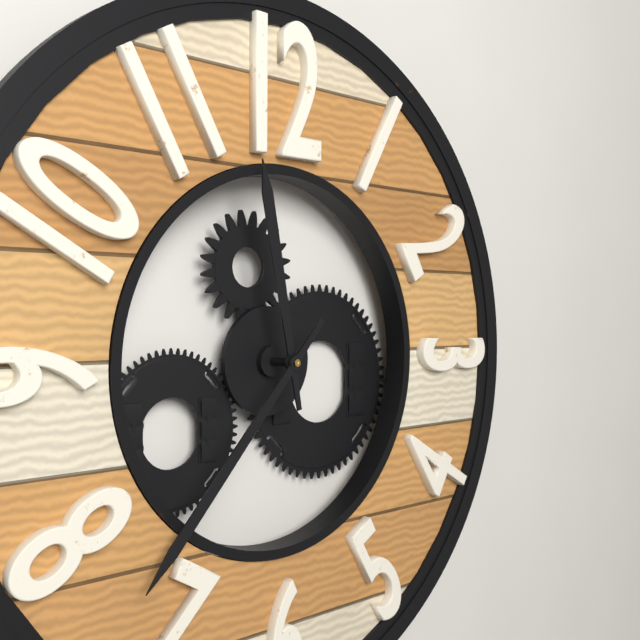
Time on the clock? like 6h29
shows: 11h37
